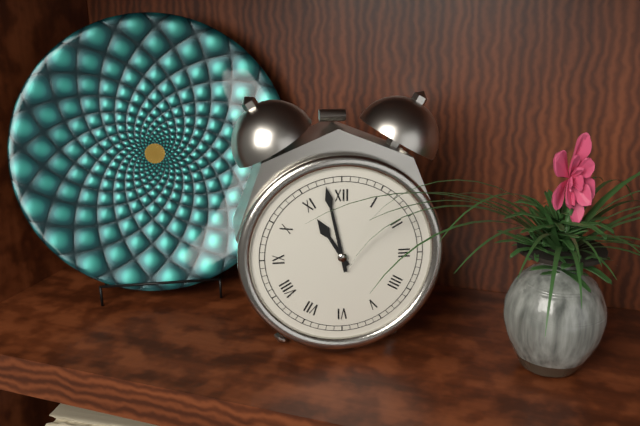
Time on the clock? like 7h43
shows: 10h58
